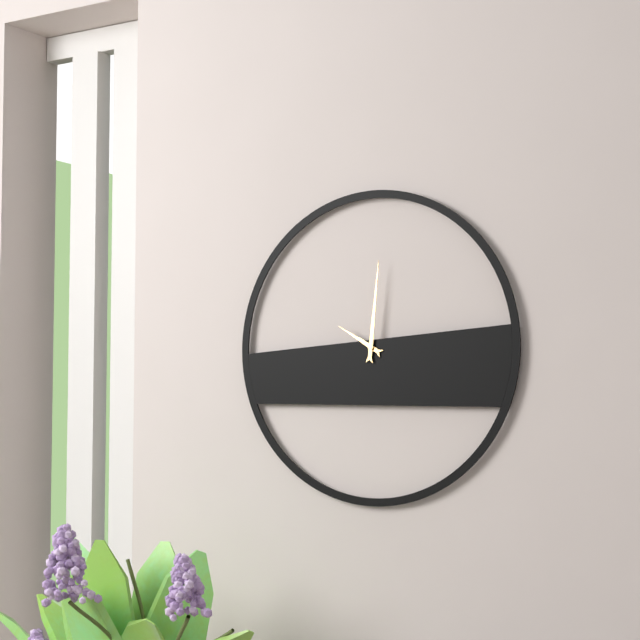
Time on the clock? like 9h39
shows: 10h01
